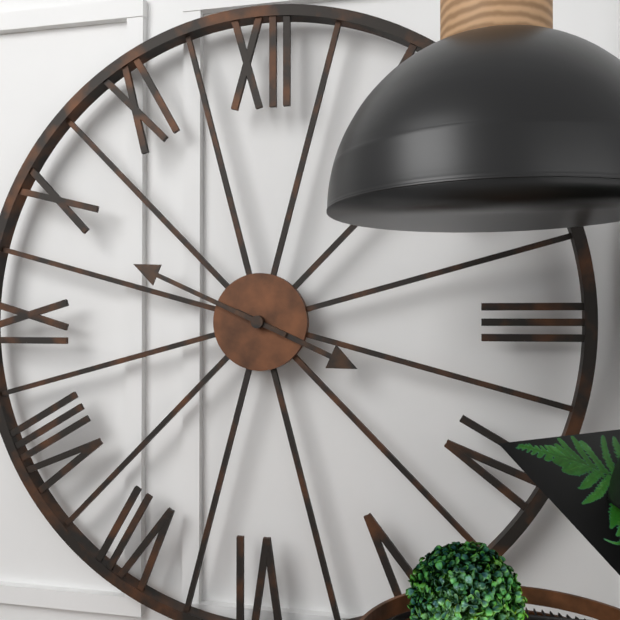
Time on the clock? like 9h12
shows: 3h49
